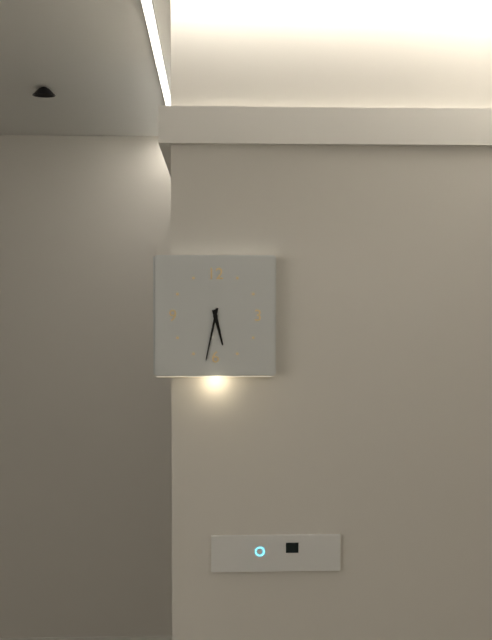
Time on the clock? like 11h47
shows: 5h32
